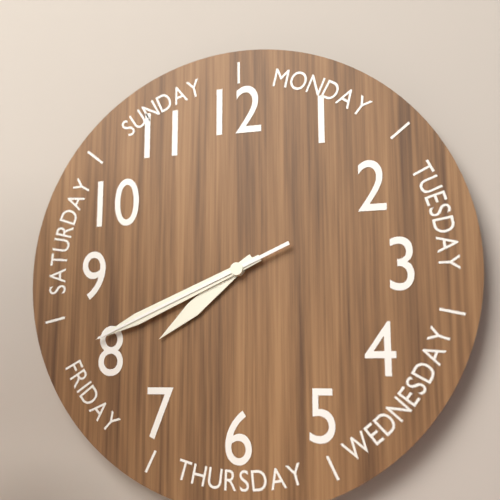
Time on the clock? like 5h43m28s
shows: 7h41m41s
